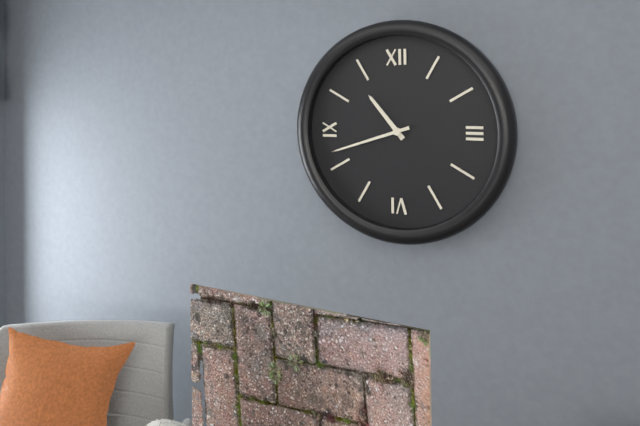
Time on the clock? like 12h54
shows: 10h42
